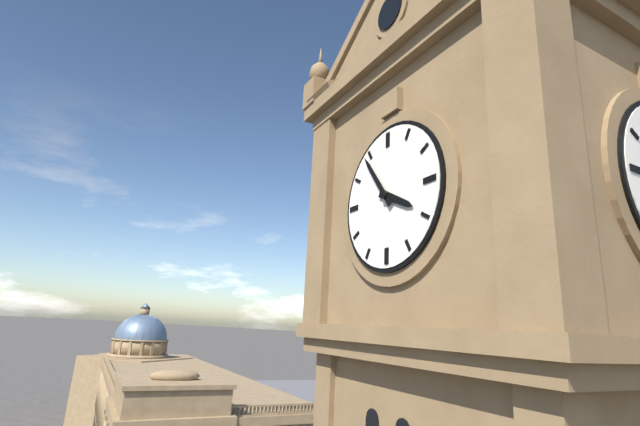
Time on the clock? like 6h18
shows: 3h54
